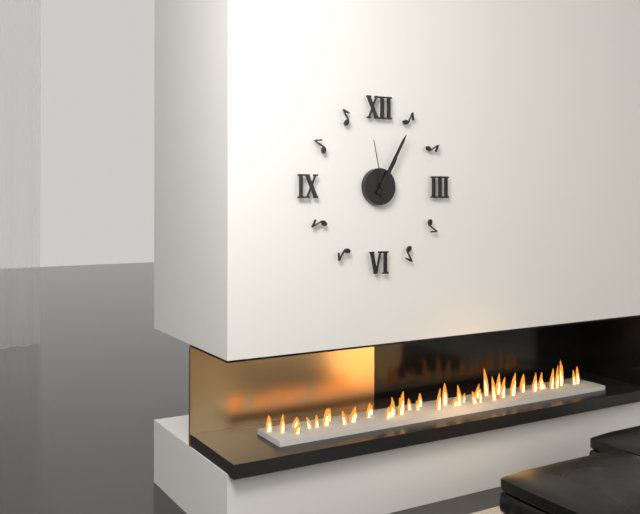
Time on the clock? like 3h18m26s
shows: 1h05m58s
